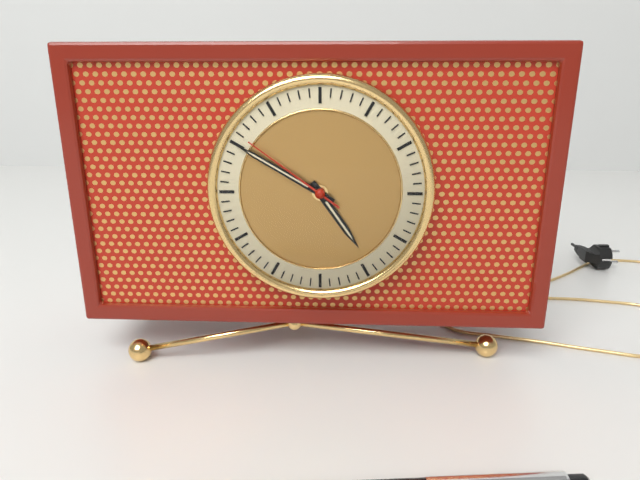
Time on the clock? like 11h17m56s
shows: 4h50m51s
